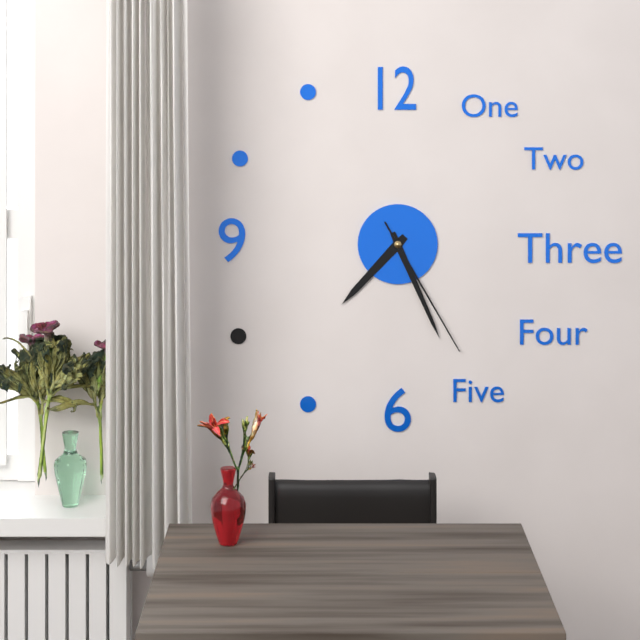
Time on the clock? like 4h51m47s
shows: 7h26m25s
